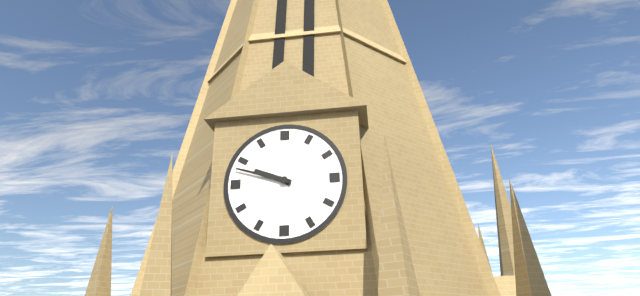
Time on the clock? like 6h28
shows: 9h48
